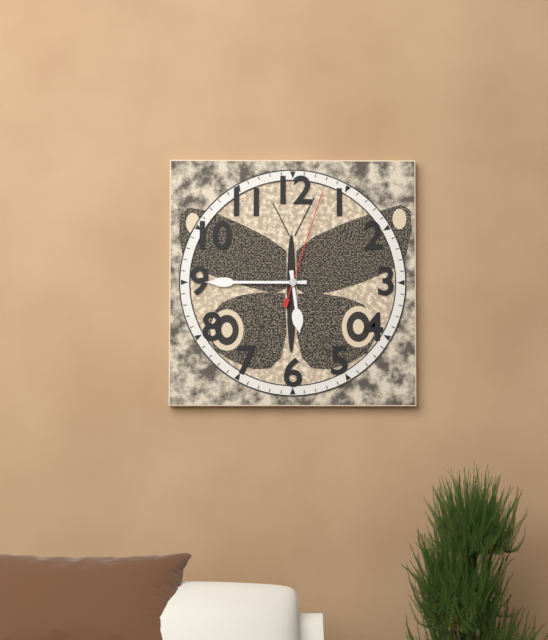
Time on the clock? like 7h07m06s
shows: 5h45m03s
